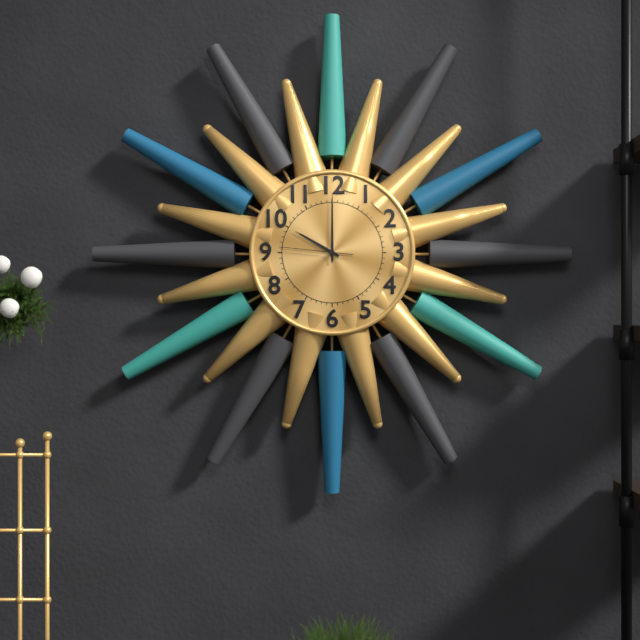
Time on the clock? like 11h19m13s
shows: 10h00m46s
